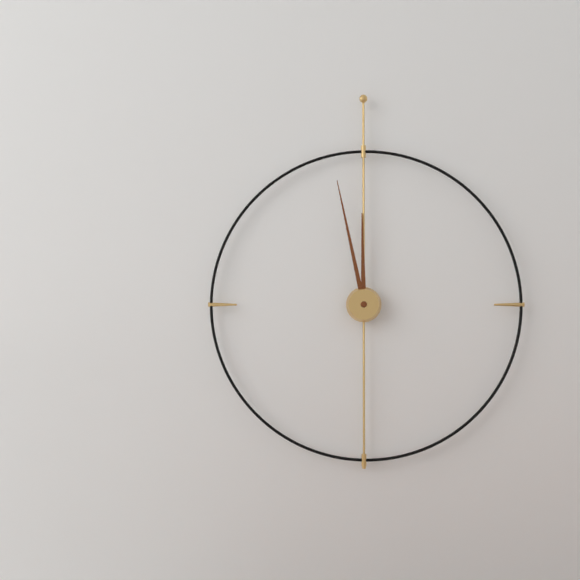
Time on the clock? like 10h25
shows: 11h58
